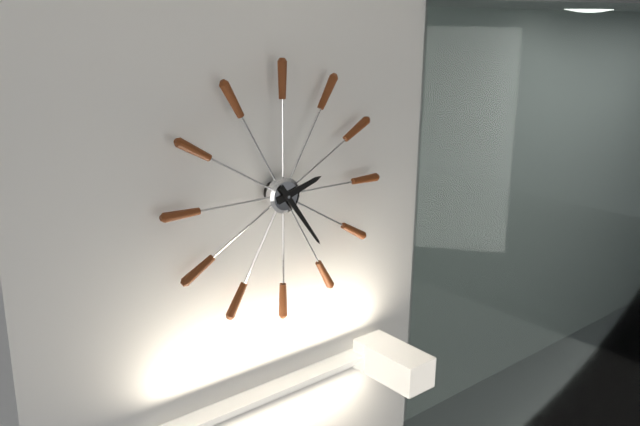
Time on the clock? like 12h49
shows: 2h24
